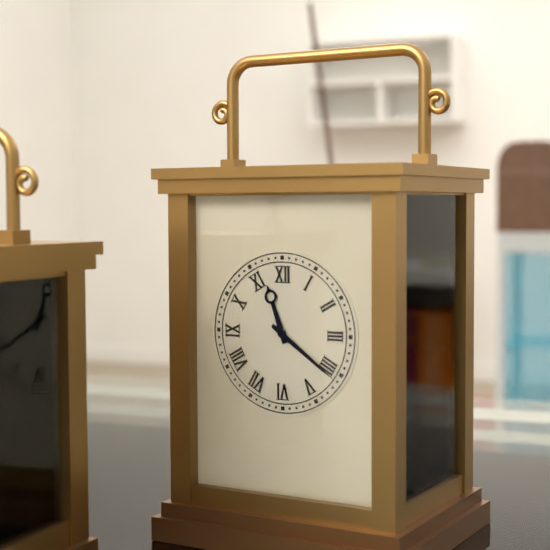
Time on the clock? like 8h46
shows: 11h21
